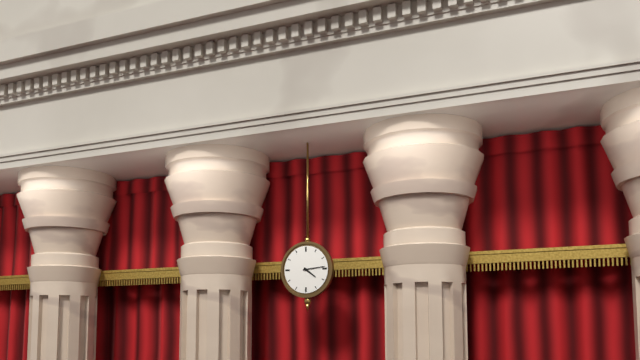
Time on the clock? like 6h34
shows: 4h14
